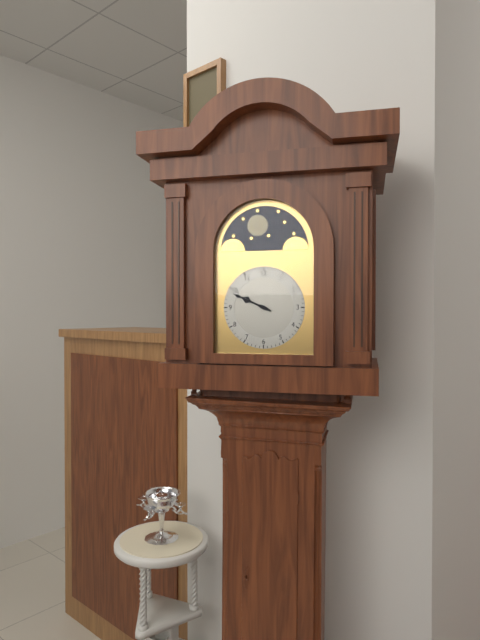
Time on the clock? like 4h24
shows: 9h49
